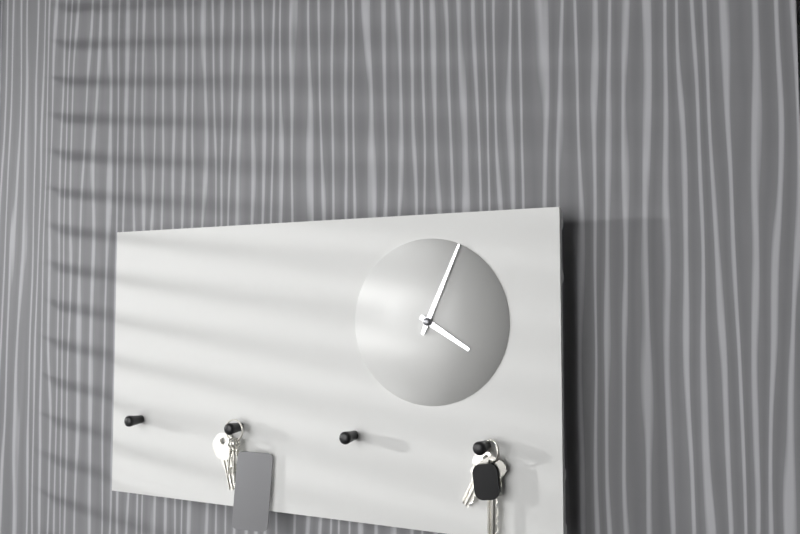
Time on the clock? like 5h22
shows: 4h04
